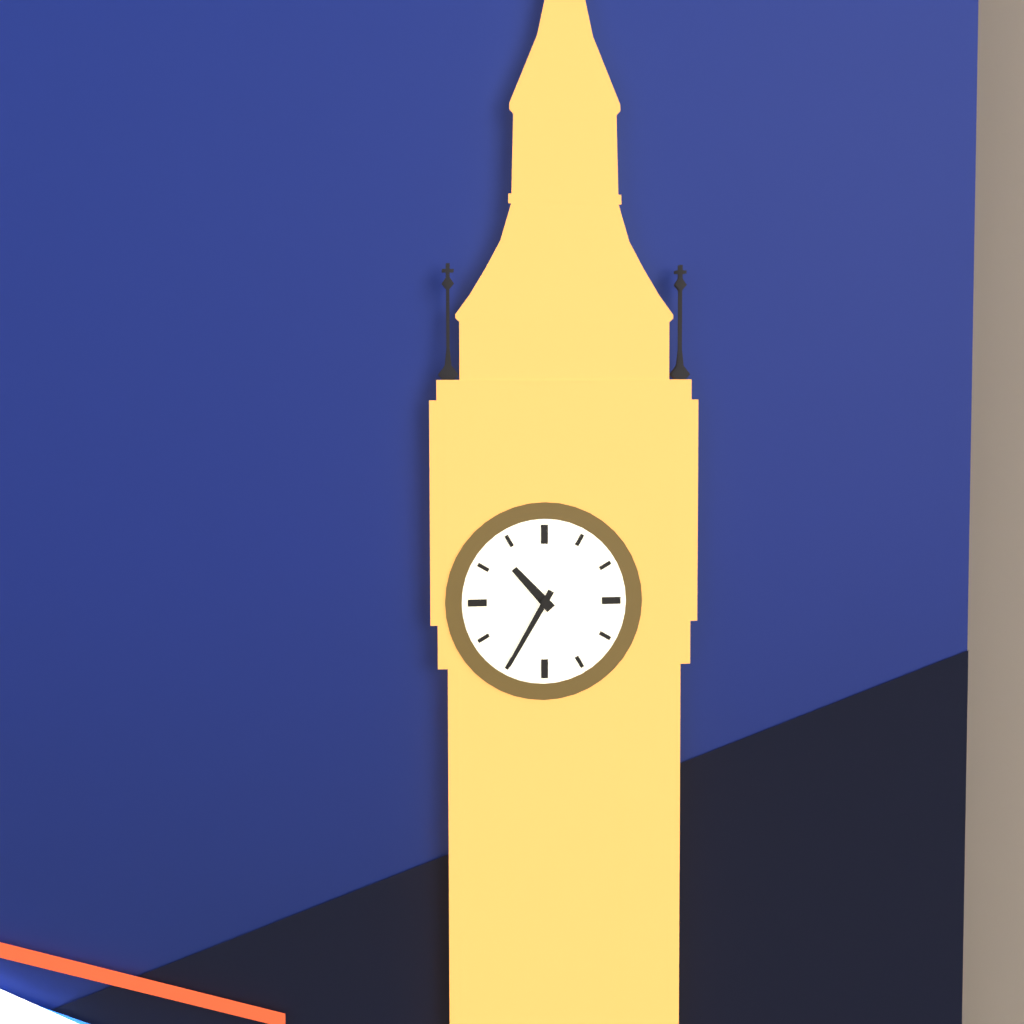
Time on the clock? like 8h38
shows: 10h35
